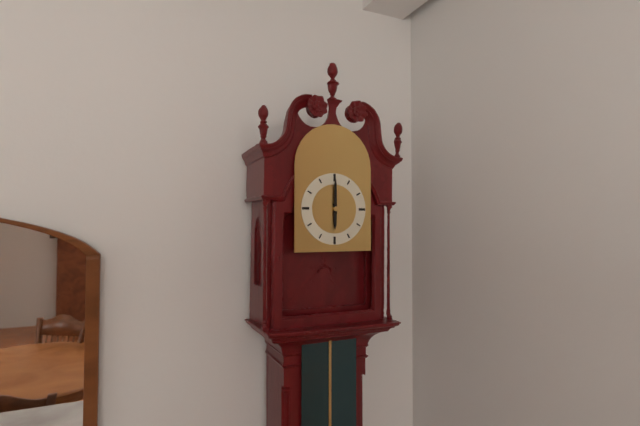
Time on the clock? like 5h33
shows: 6h00
